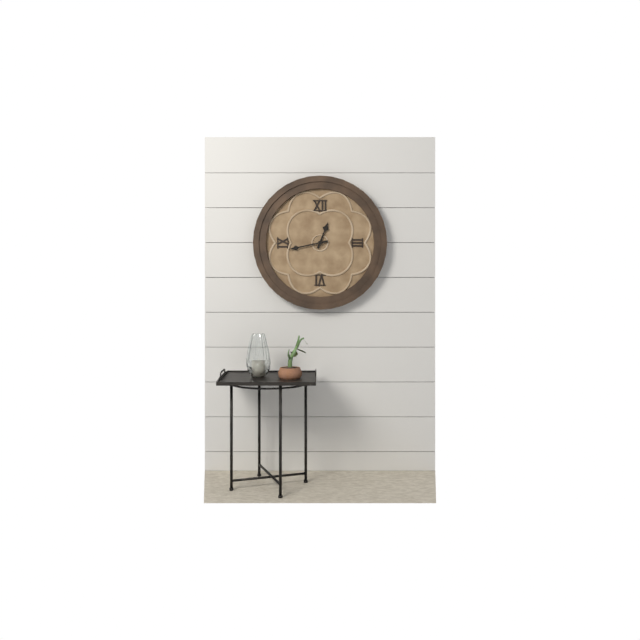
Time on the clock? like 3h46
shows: 12h43
